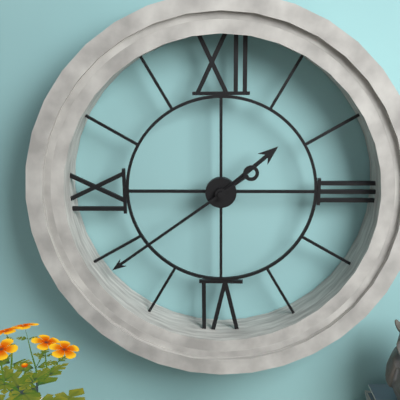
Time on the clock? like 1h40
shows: 1h39
